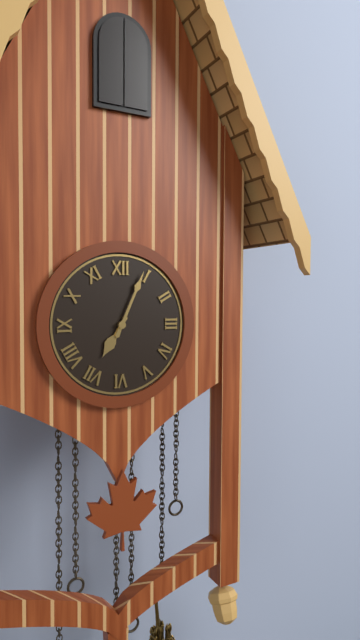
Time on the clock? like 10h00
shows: 7h04
